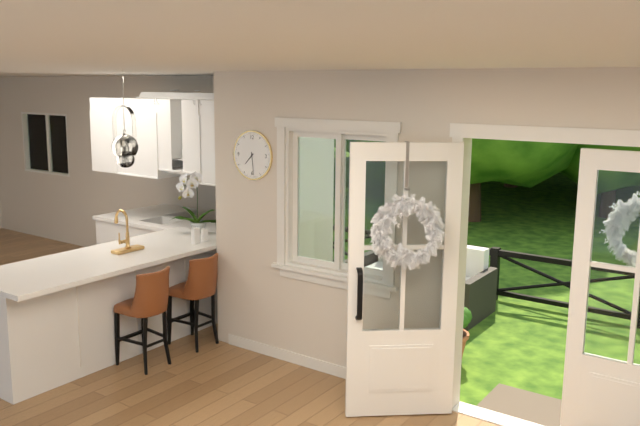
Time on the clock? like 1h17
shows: 7h29
